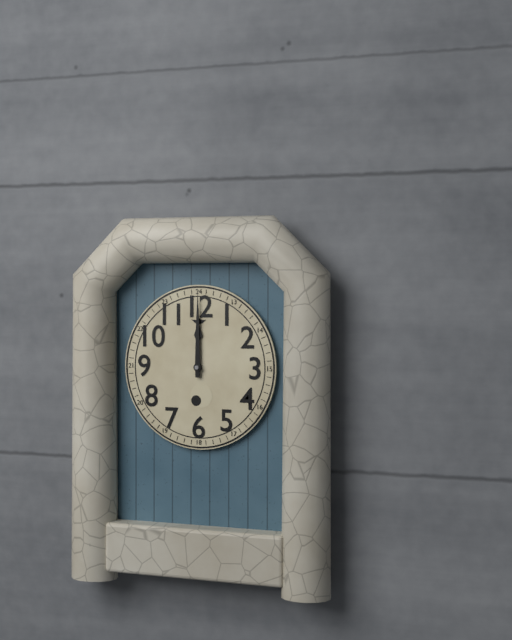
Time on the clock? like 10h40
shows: 12h00
